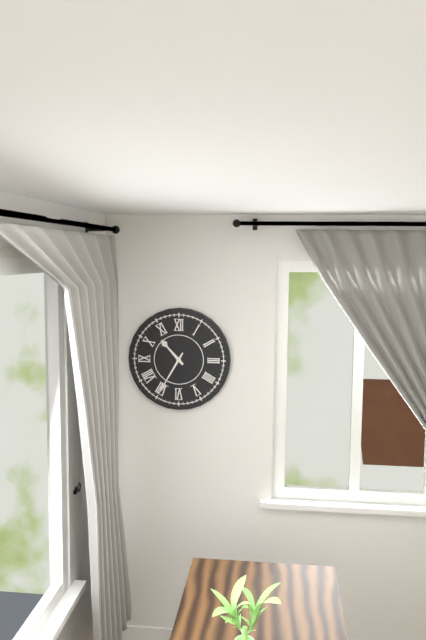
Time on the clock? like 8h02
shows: 10h35
